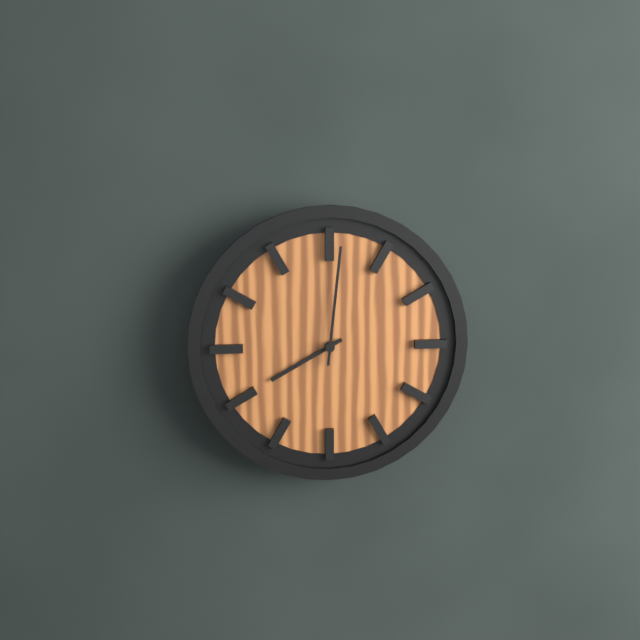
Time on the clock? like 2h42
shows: 8h01
